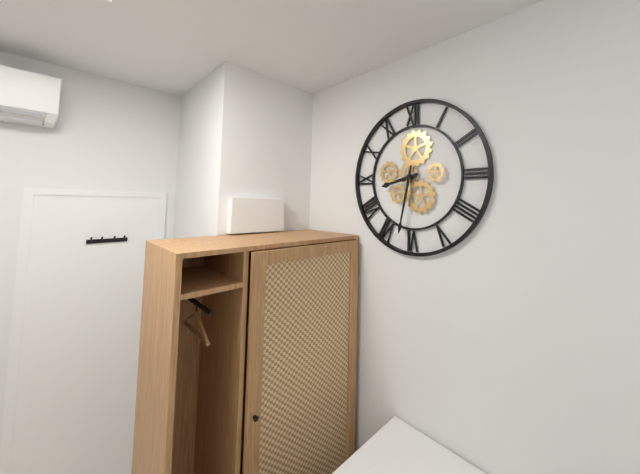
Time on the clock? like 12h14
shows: 8h32
